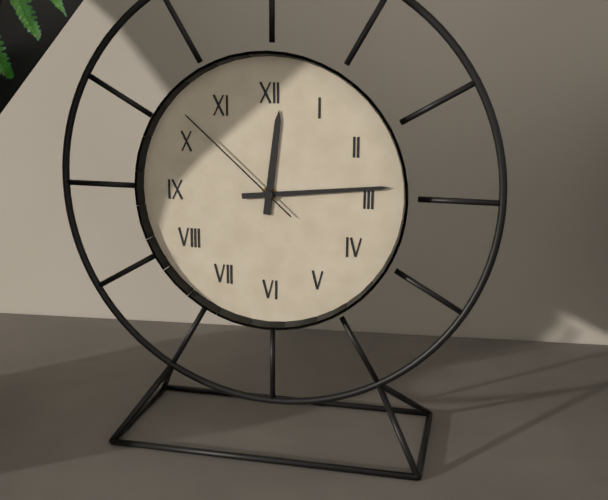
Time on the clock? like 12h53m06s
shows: 12h14m52s
